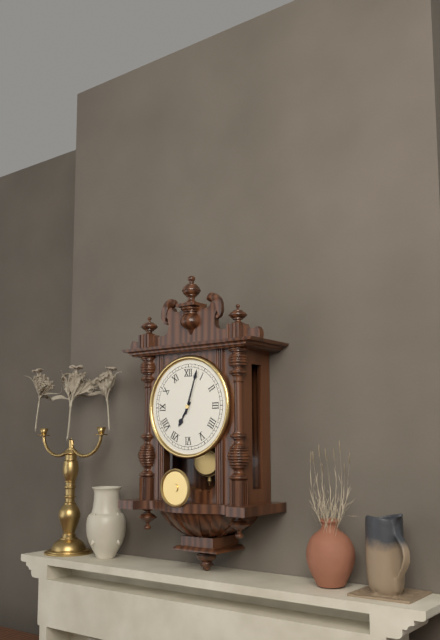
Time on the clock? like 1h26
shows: 7h03
